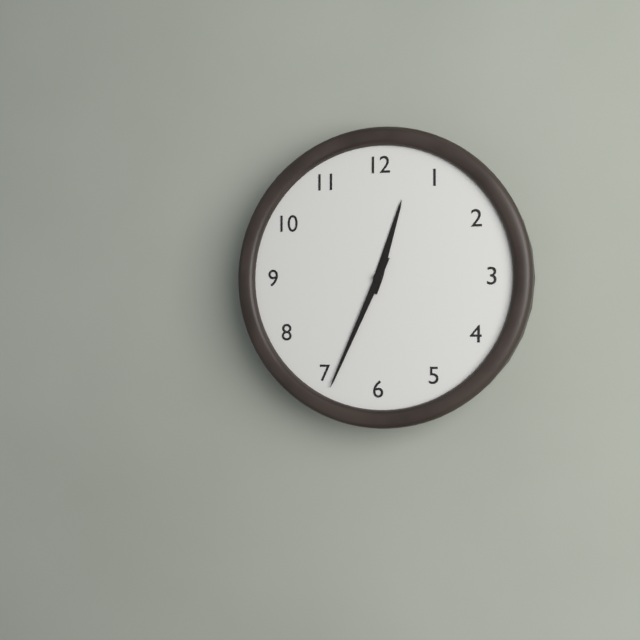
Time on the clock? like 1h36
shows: 12h34
